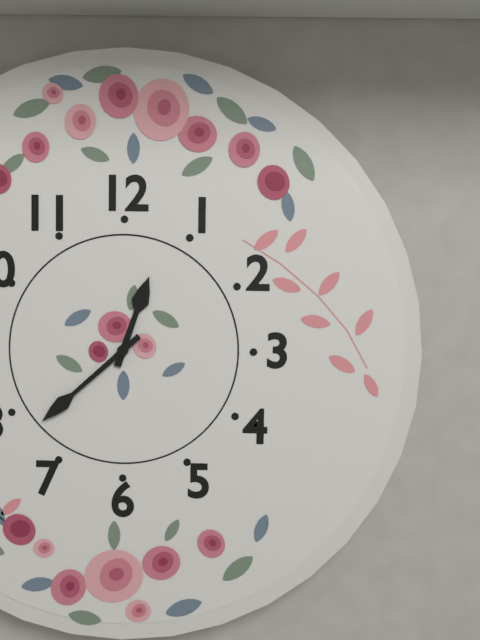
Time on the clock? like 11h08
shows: 12h38
